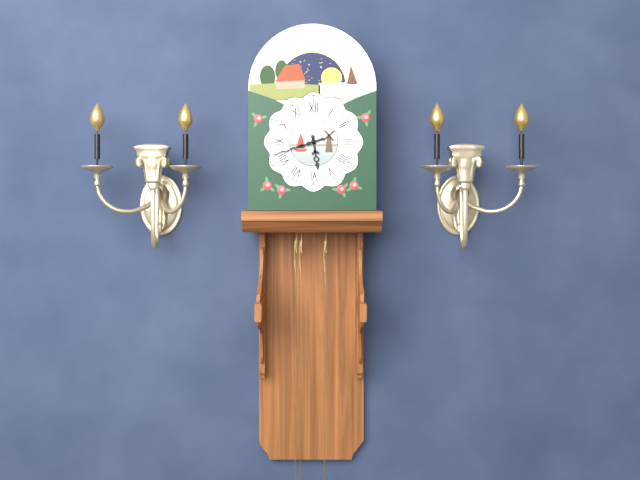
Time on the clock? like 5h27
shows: 5h42
